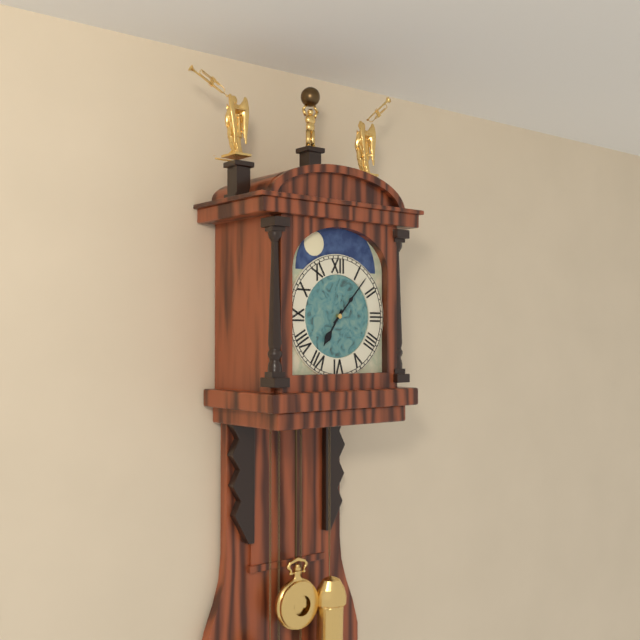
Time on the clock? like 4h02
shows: 7h07
